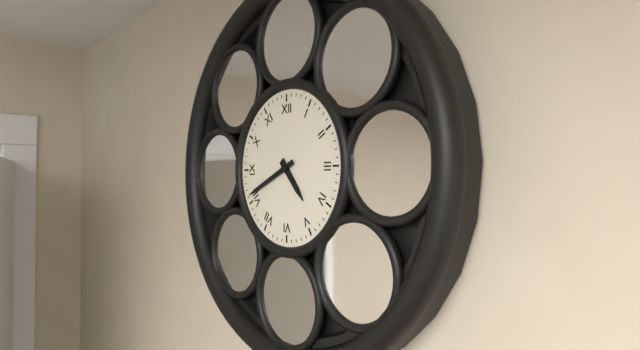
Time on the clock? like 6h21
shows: 4h41
